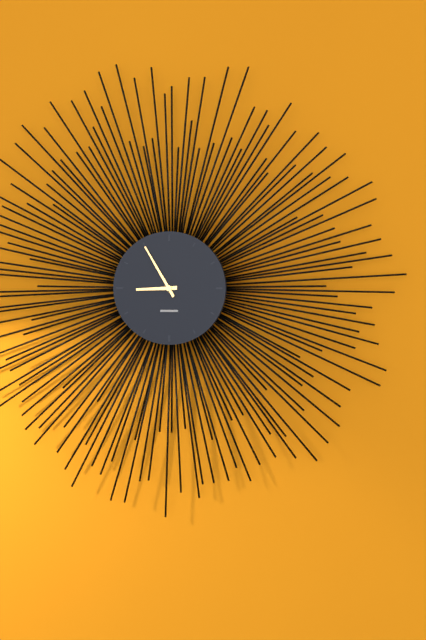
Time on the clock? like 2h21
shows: 8h55
